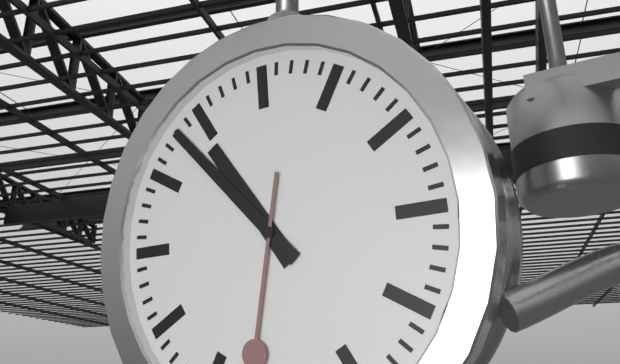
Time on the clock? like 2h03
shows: 10h53
